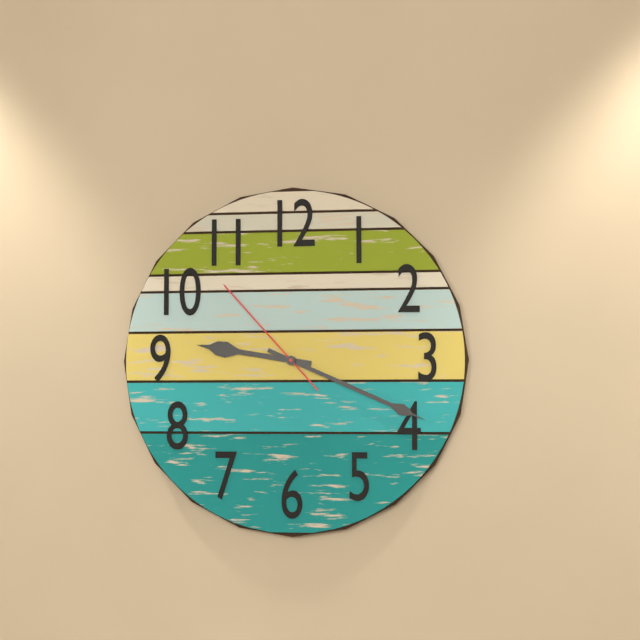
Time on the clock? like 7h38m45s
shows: 9h19m53s
